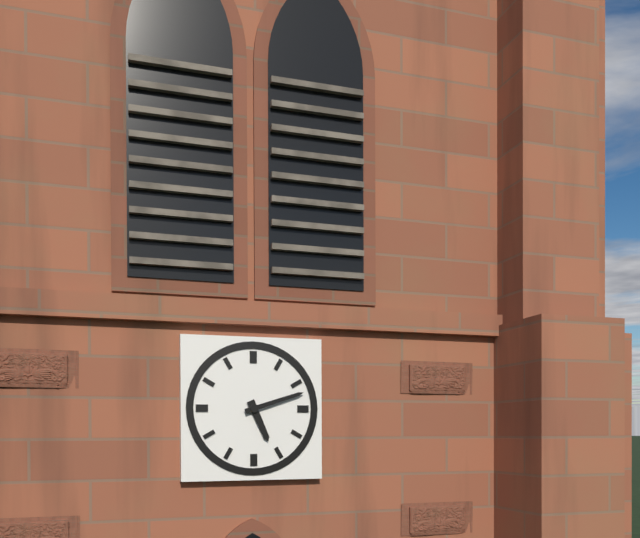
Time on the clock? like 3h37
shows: 5h12
